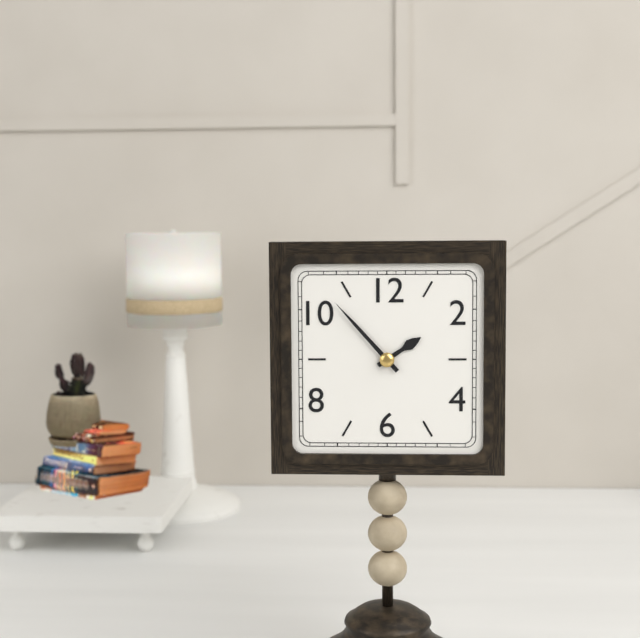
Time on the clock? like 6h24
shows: 1h53
